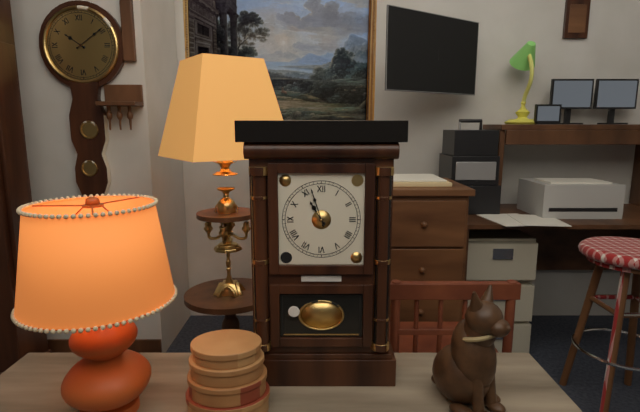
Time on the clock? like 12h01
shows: 10h57
